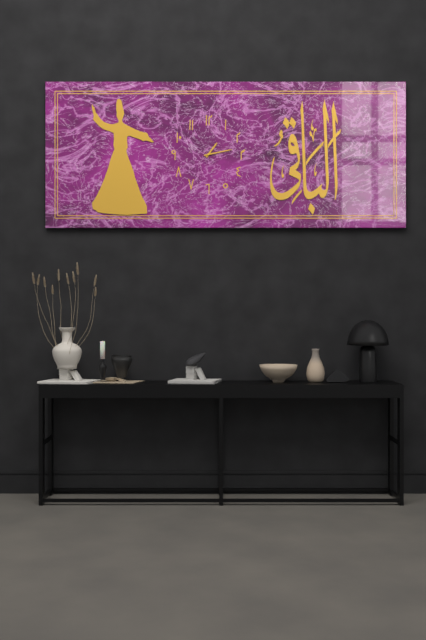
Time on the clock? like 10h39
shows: 1h13
